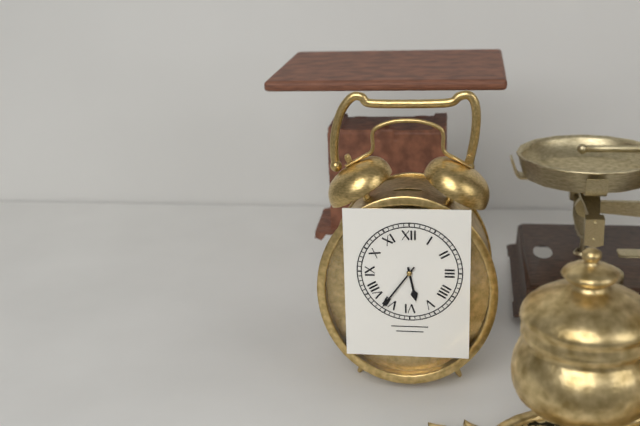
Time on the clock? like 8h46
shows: 5h36
